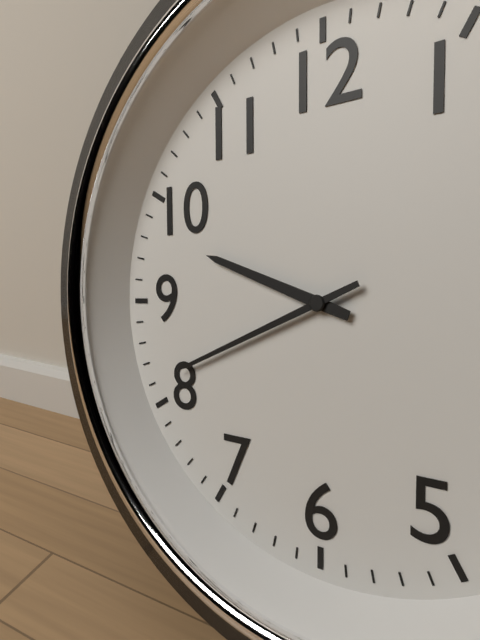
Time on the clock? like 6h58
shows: 9h41
